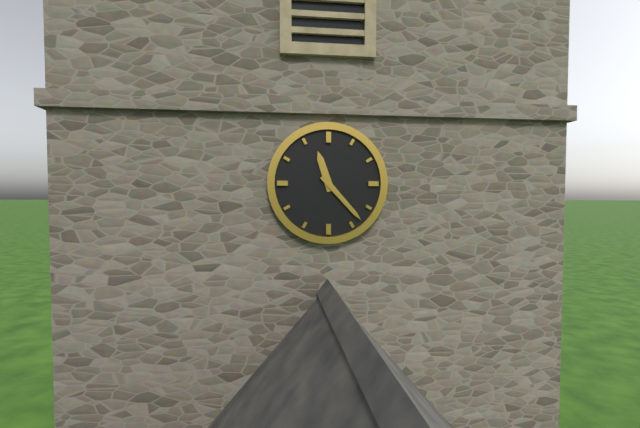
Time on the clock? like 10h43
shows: 11h23
